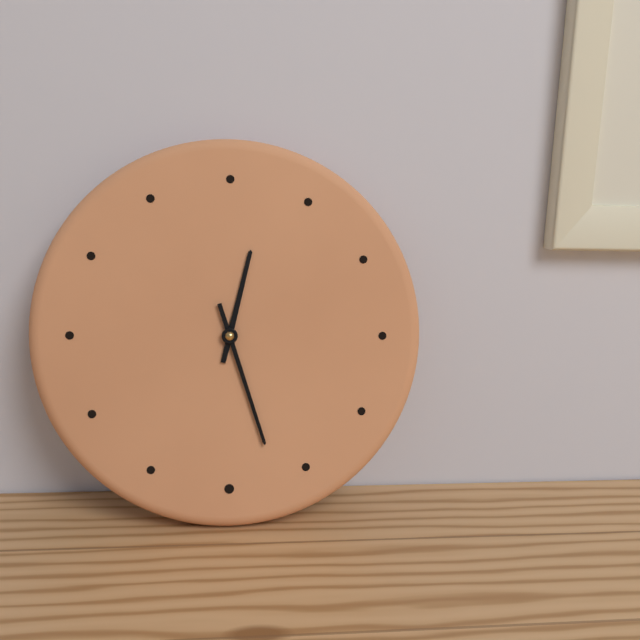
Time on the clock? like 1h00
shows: 12h27
